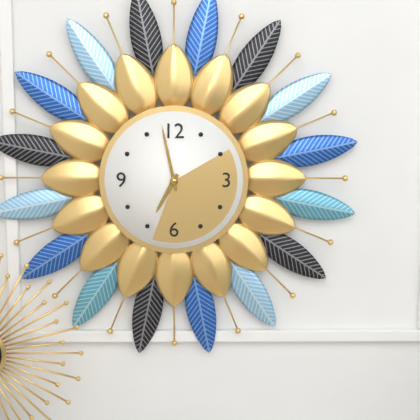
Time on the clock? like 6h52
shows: 6h58
